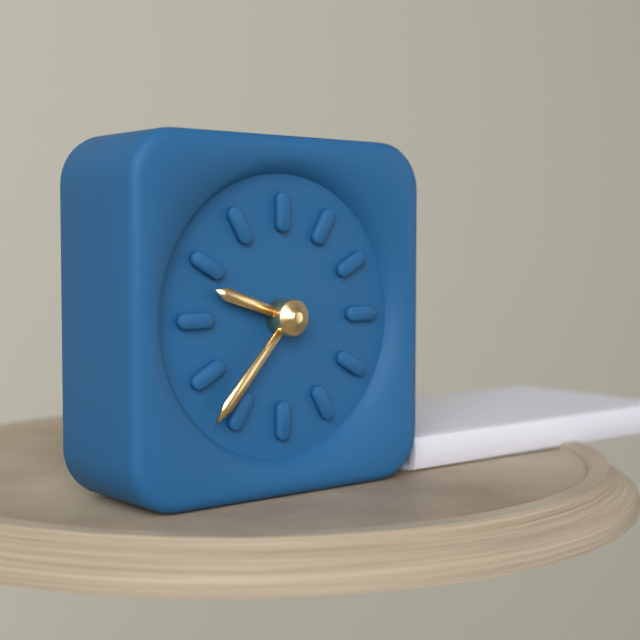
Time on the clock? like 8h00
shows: 9h37
